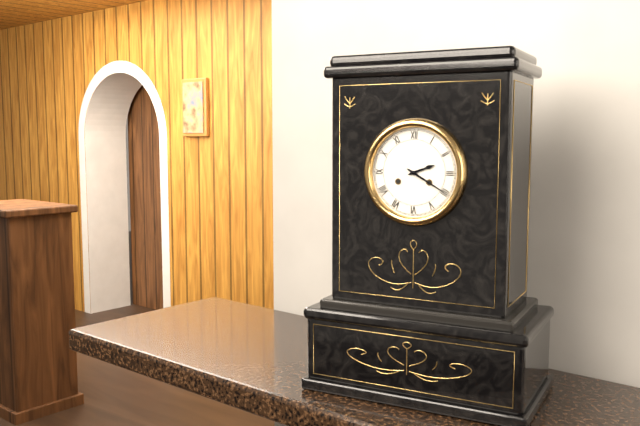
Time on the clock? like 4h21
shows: 2h20
